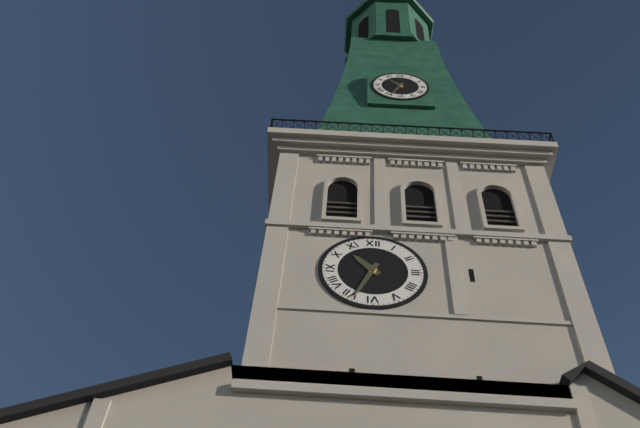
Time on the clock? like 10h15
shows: 10h34
